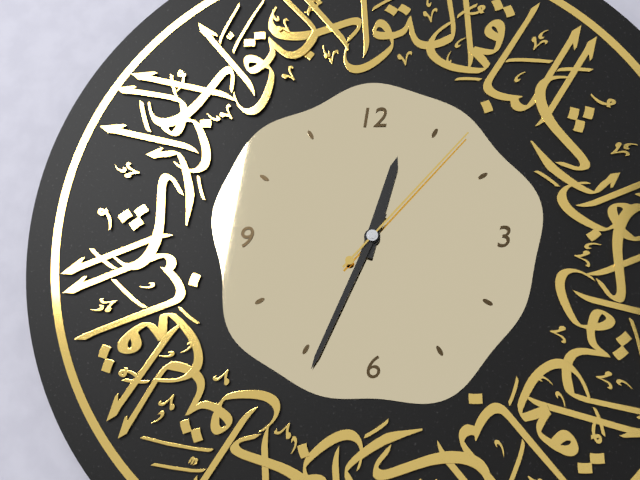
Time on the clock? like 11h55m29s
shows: 12h34m07s
